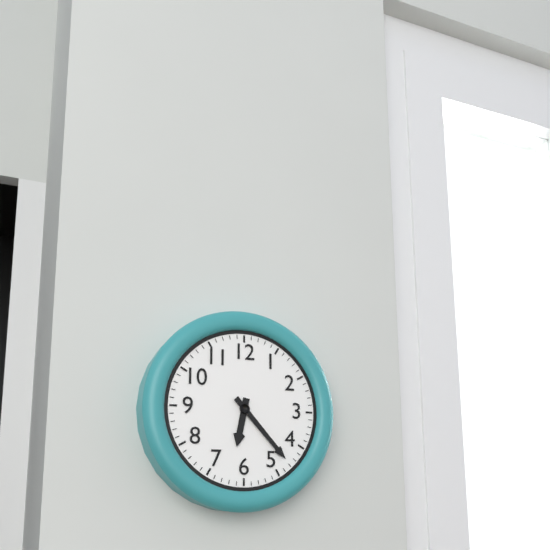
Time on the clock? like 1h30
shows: 6h23
